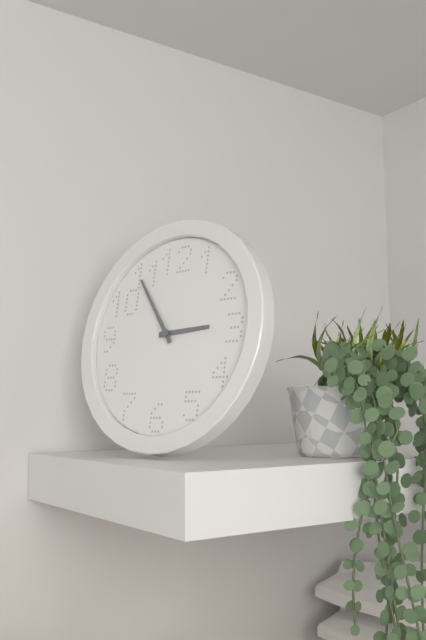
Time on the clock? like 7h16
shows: 2h54
